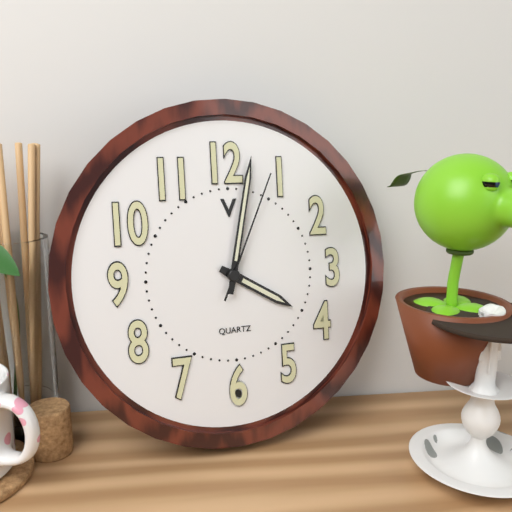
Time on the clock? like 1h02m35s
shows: 4h02m04s
